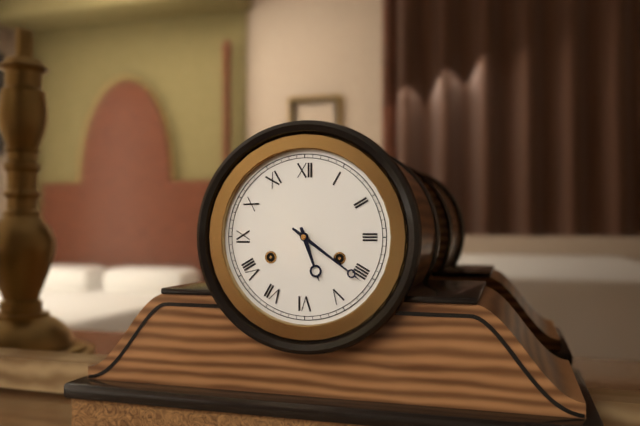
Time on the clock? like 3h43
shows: 5h21
